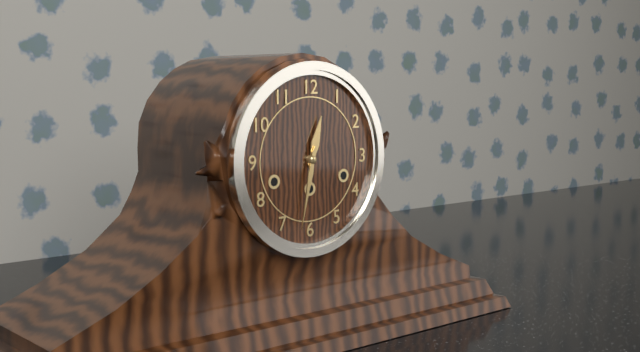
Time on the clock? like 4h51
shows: 12h32
